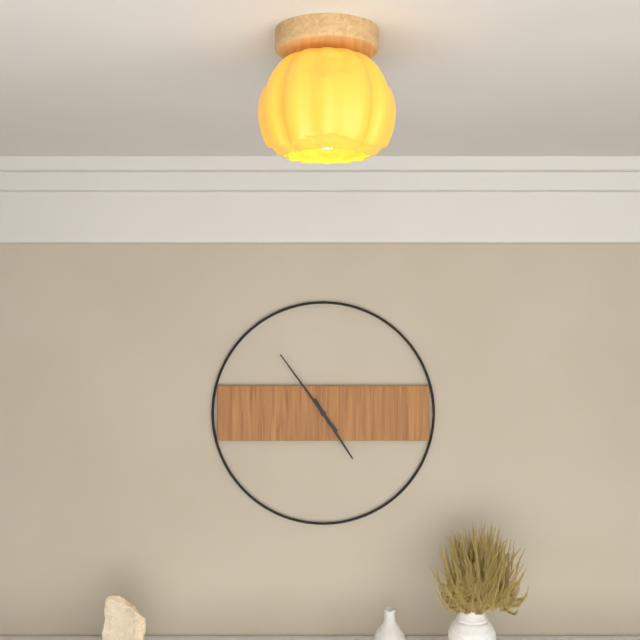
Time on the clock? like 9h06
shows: 4h54
